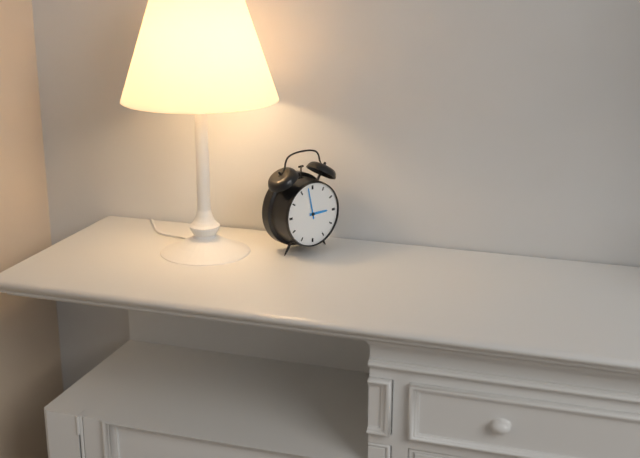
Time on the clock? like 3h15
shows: 2h58
